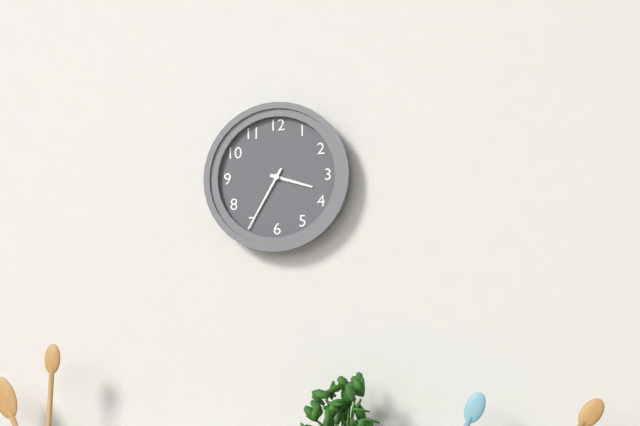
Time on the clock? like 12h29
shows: 3h35
